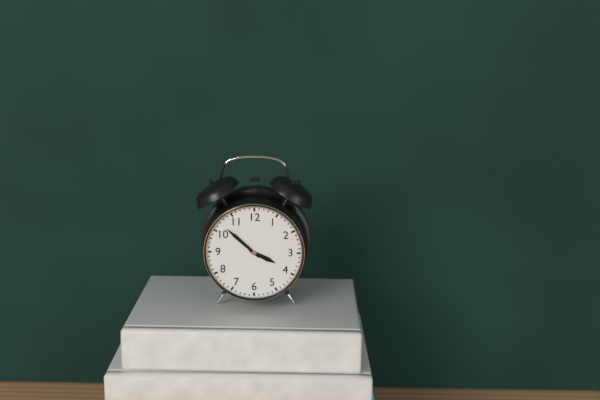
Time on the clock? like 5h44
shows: 3h52
